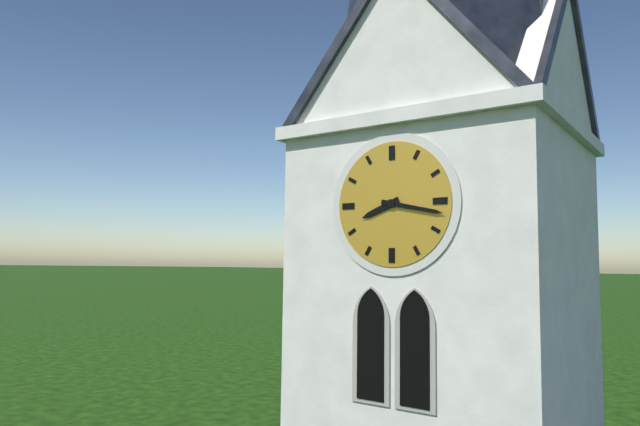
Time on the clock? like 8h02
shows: 8h17
